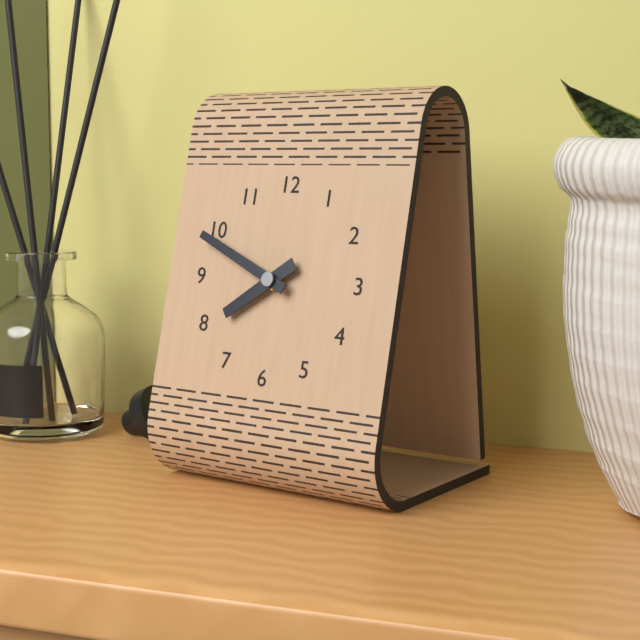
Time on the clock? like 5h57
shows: 7h49
